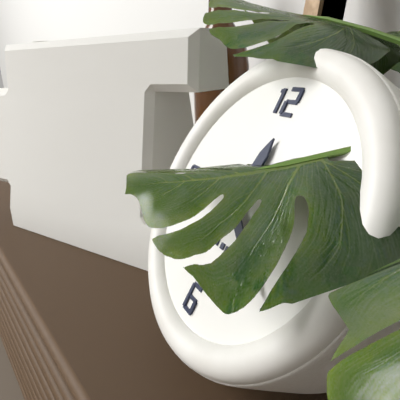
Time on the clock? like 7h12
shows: 12h21
